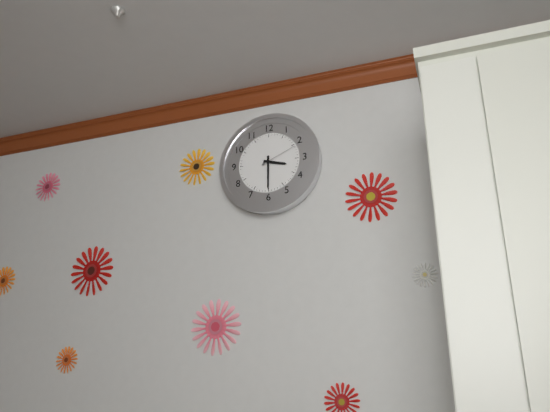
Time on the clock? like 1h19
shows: 3h30
